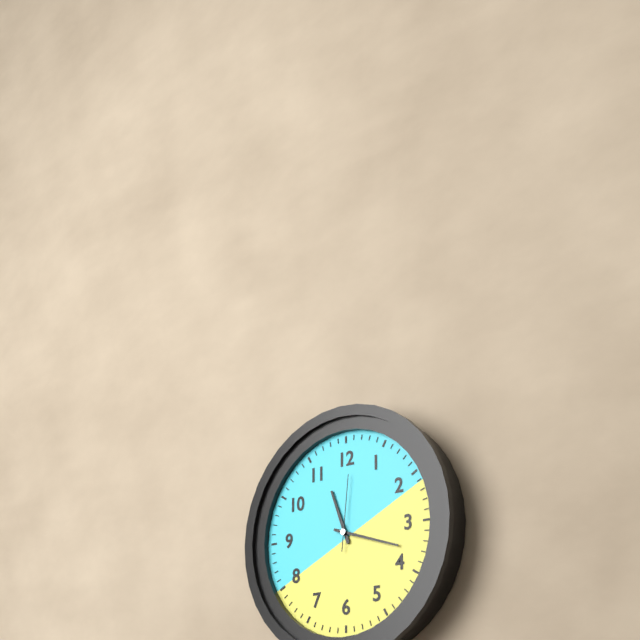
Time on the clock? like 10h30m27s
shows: 11h18m01s
